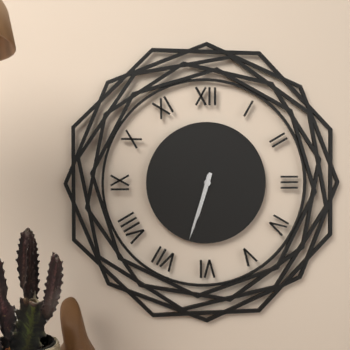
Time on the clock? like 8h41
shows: 6h33
